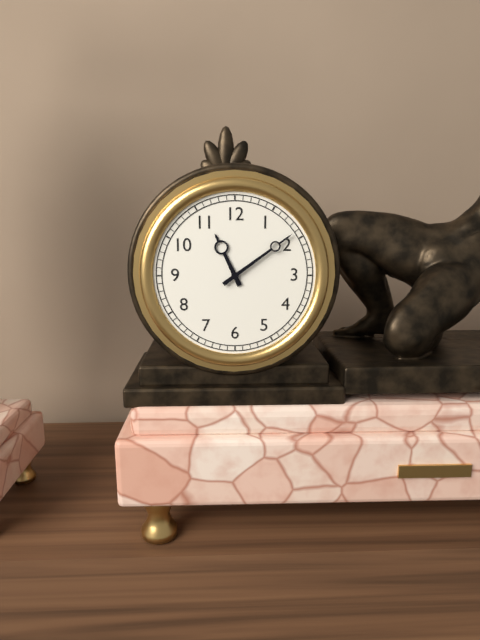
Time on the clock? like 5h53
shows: 11h09
